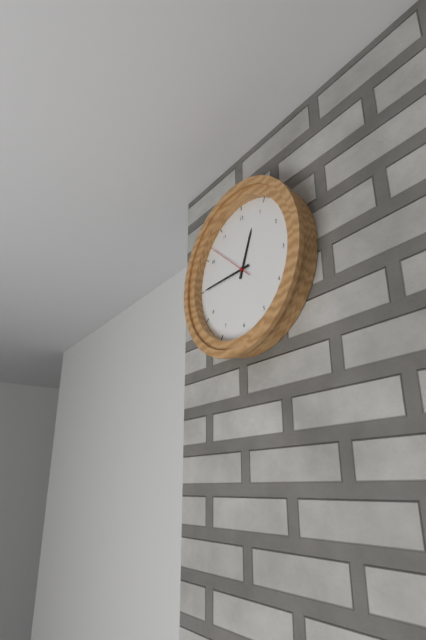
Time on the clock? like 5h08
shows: 12h45
